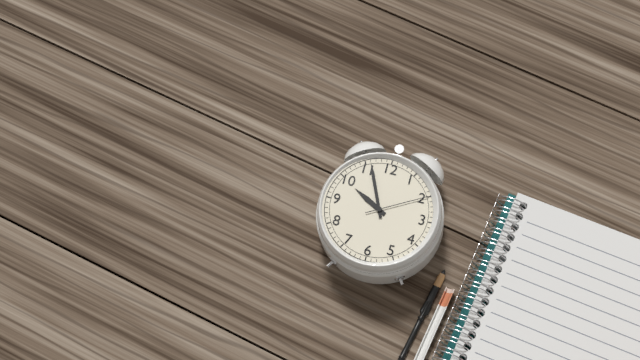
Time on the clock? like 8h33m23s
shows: 9h56m10s
